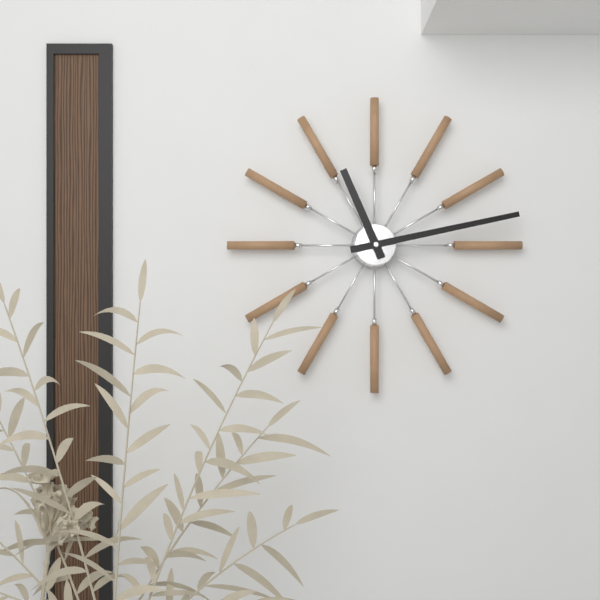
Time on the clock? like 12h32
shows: 11h13
